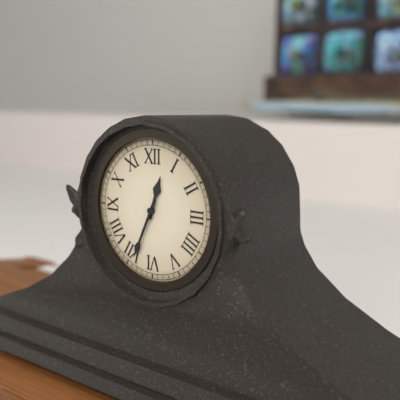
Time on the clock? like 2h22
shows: 12h34
